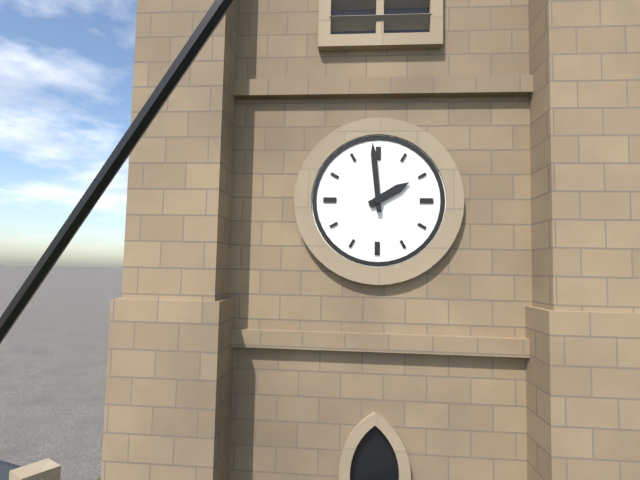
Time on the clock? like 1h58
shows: 1h59
